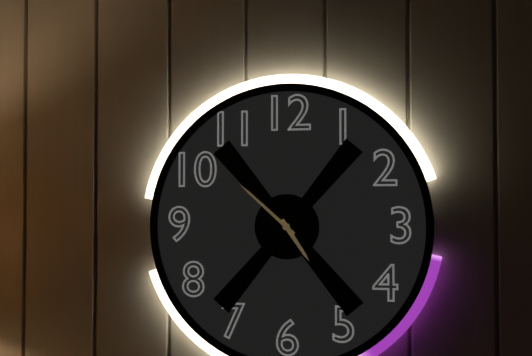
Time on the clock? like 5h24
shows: 4h52
